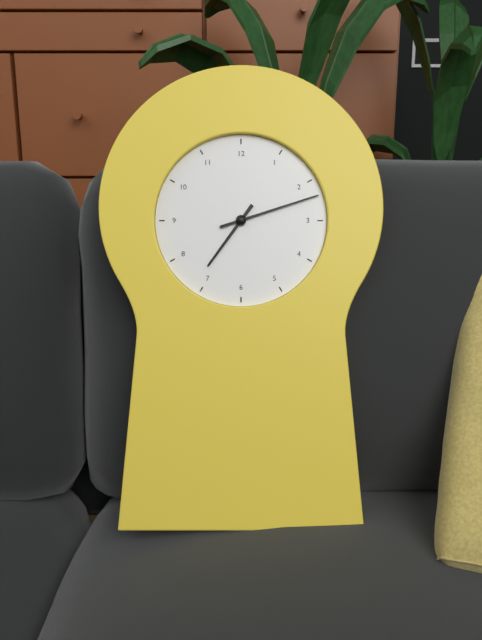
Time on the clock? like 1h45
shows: 7h12
